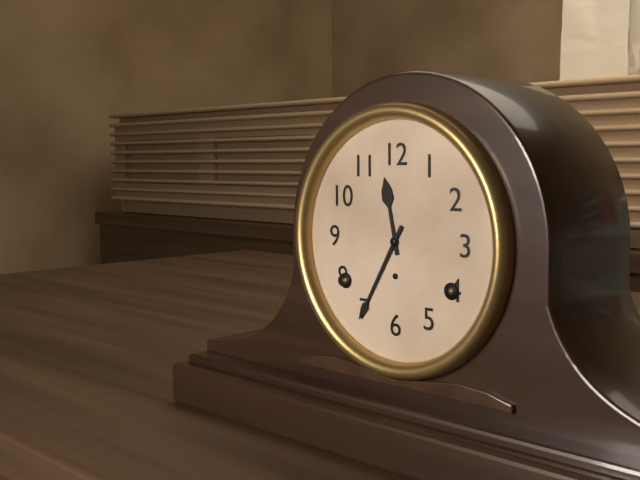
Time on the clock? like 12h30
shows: 11h35
